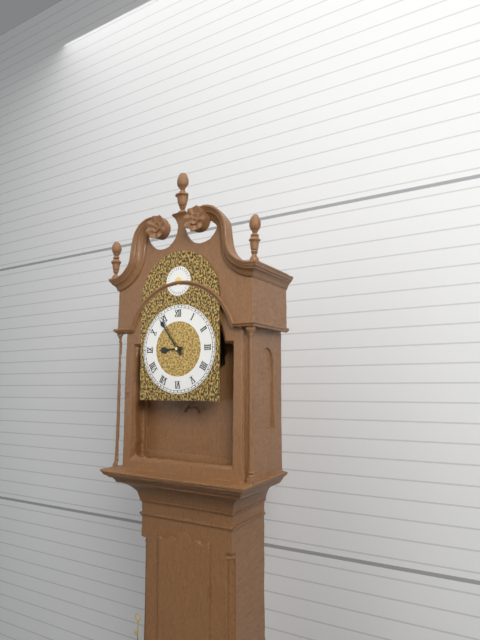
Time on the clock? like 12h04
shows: 8h54
